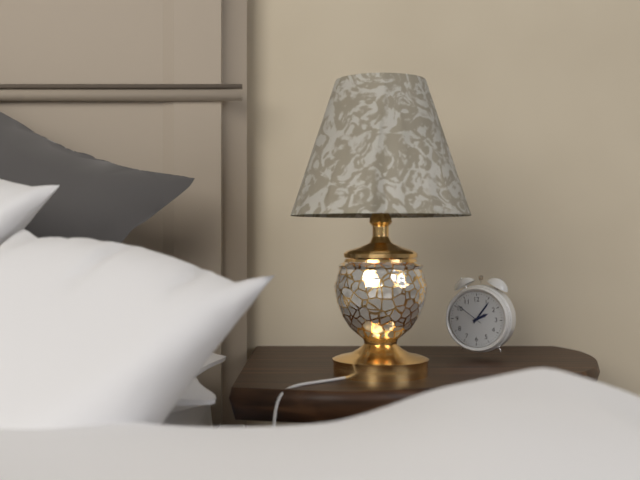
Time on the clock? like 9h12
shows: 2h06
